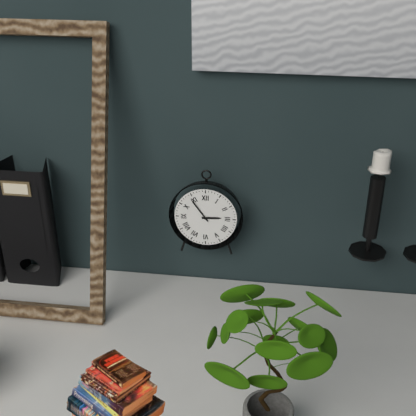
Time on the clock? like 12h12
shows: 2h54
